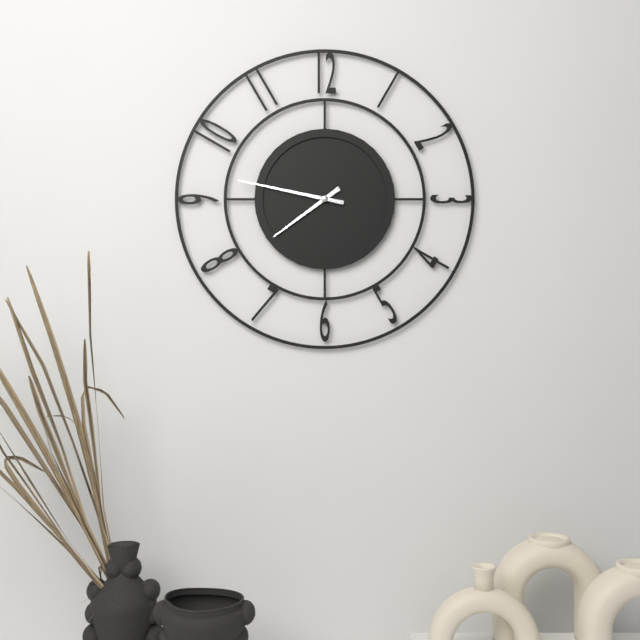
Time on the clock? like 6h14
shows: 7h47
